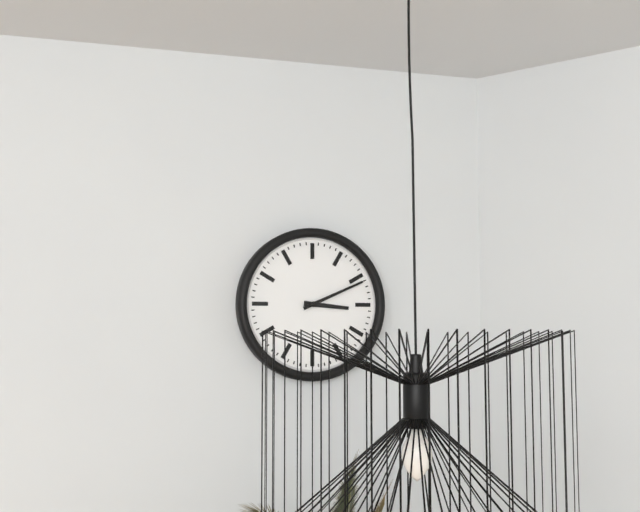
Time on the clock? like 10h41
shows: 3h11
